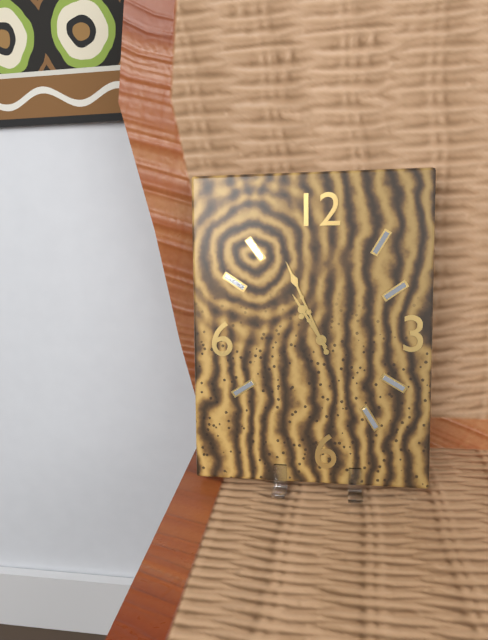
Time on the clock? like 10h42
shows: 10h56
